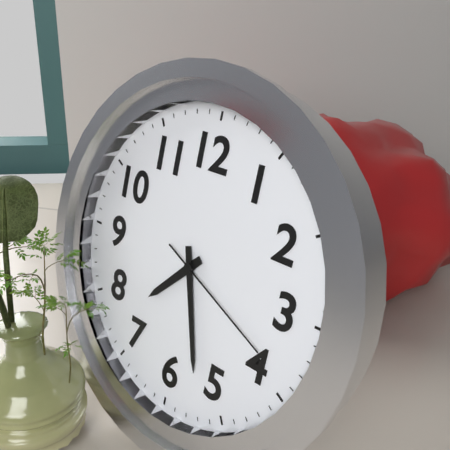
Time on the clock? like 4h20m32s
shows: 7h27m19s
